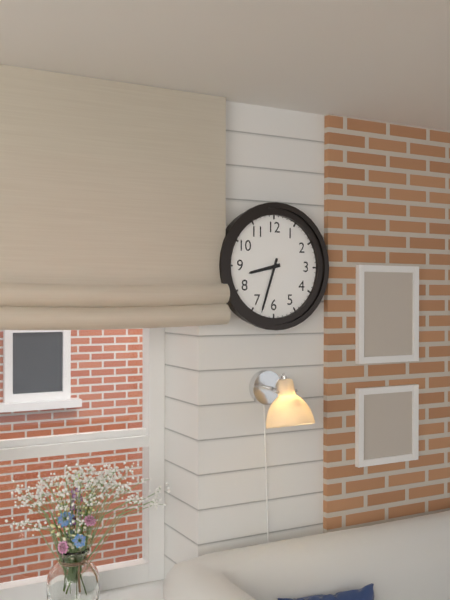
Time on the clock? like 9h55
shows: 8h33
